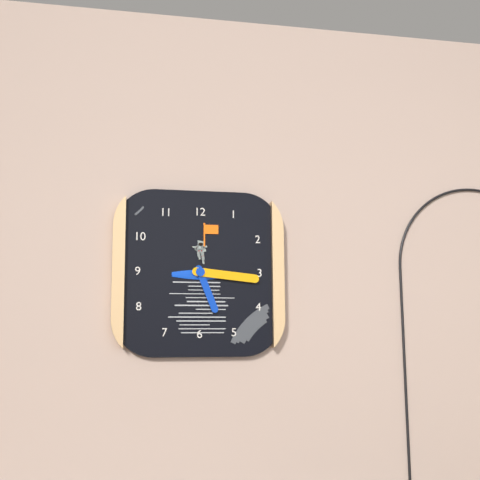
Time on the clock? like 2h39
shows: 5h16
